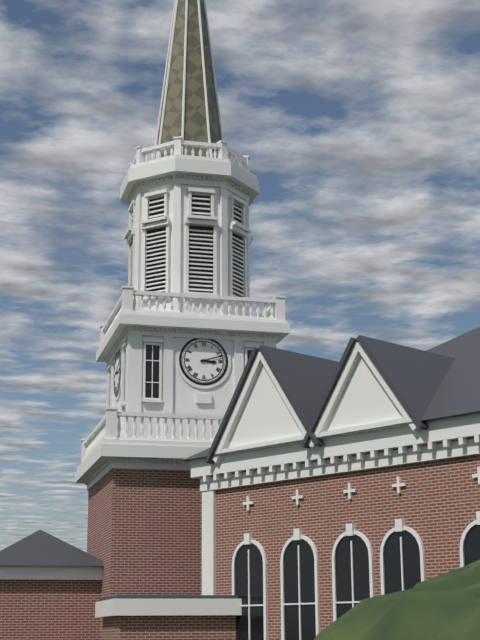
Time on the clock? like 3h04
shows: 3h12
